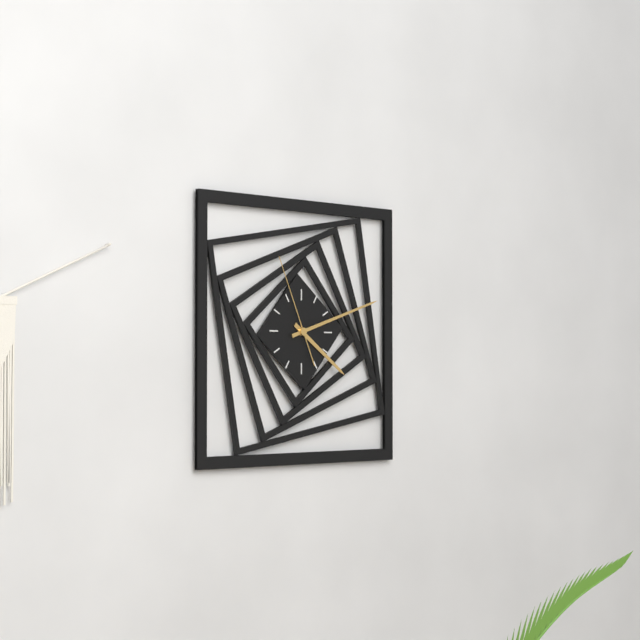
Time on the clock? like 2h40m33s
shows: 4h12m56s
